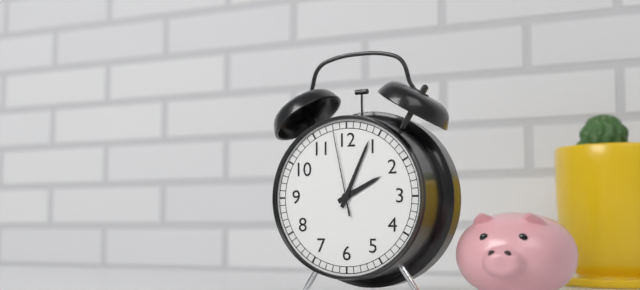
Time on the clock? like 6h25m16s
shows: 2h04m58s
